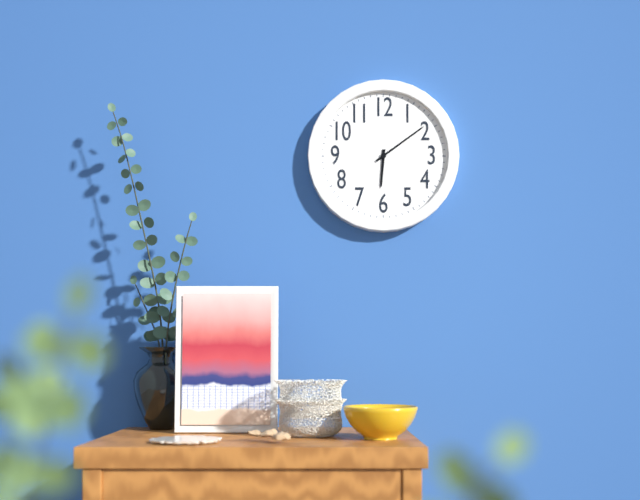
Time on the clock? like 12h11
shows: 6h09
